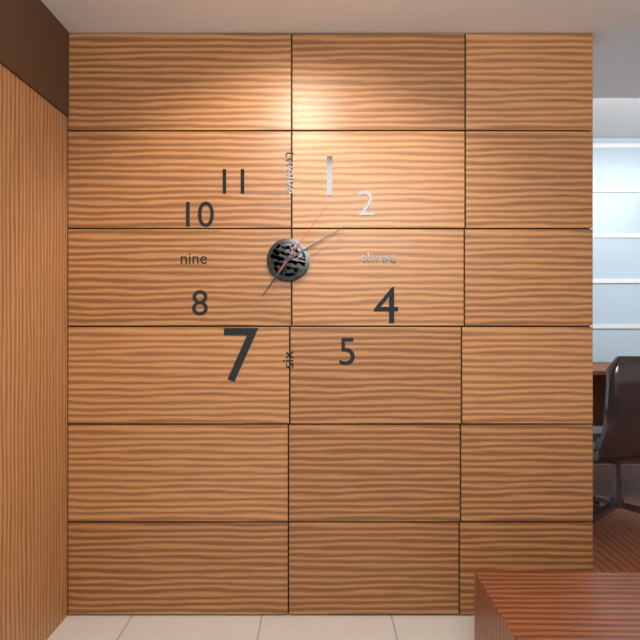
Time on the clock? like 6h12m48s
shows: 7h10m06s
